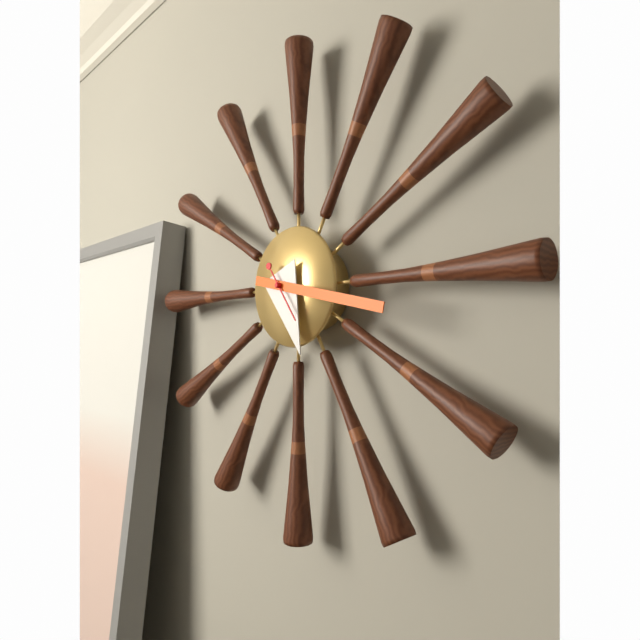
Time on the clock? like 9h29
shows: 5h17
